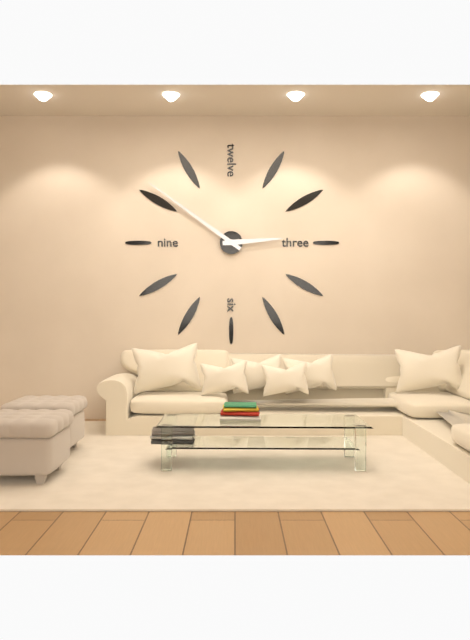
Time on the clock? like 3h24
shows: 2h51
